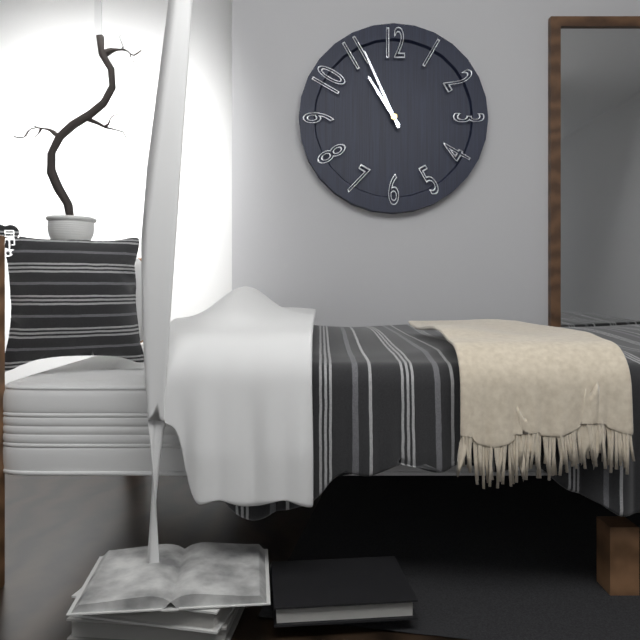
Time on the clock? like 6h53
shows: 10h56
